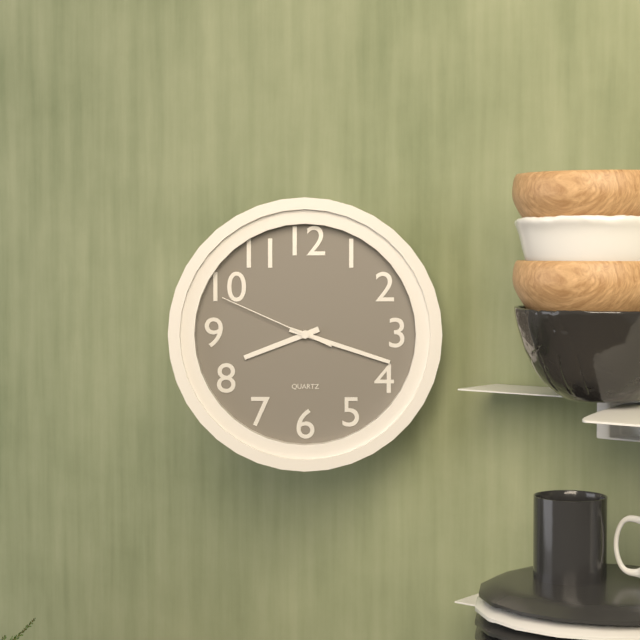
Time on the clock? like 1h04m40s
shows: 8h18m49s
